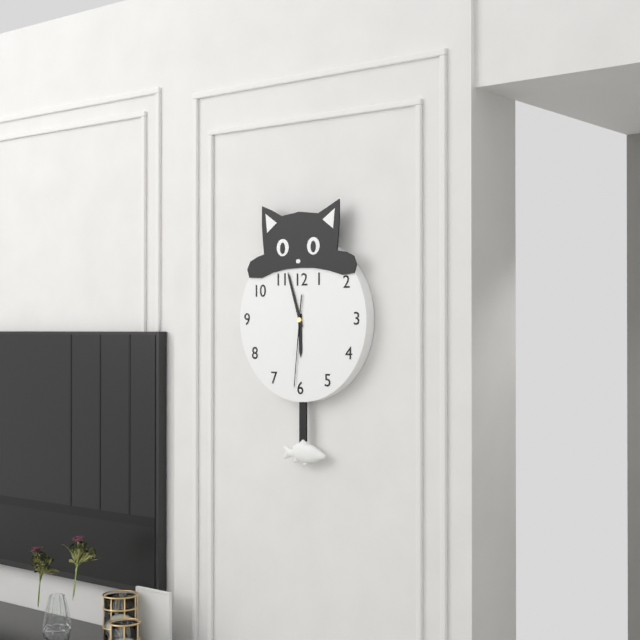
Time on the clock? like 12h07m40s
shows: 5h57m31s
